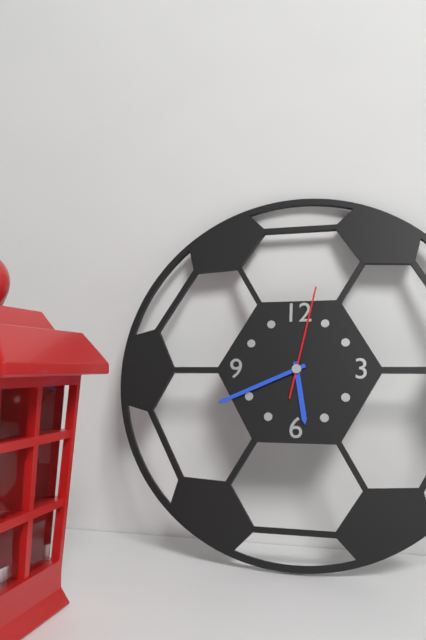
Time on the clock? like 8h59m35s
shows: 5h41m02s
